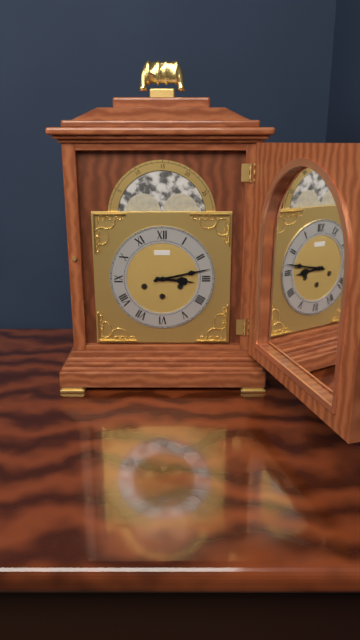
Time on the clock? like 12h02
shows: 3h13
